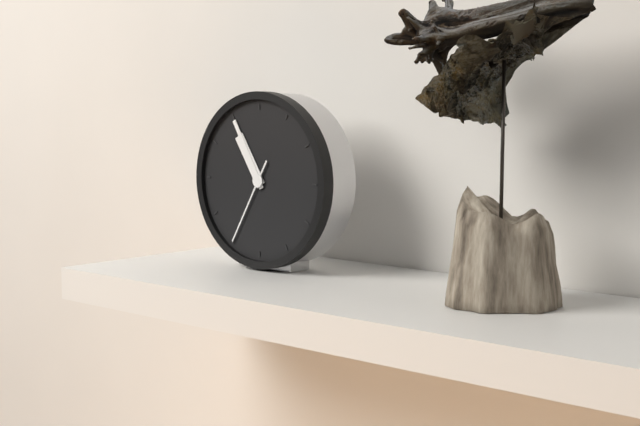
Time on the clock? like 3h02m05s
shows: 10h55m35s
